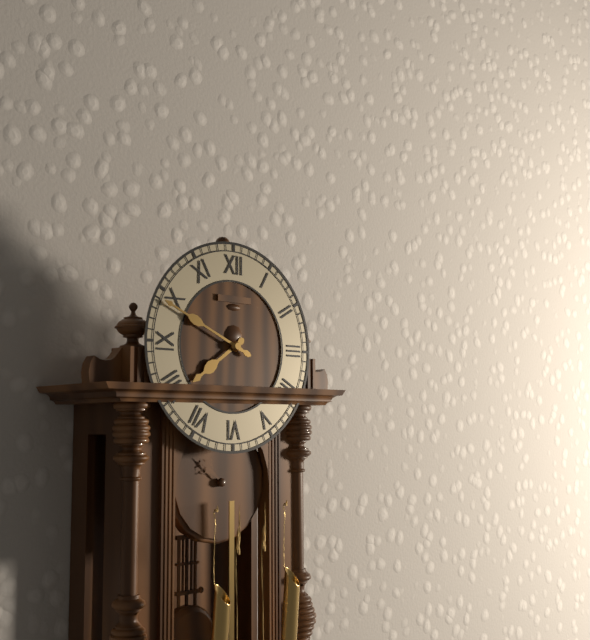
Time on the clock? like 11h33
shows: 7h49
